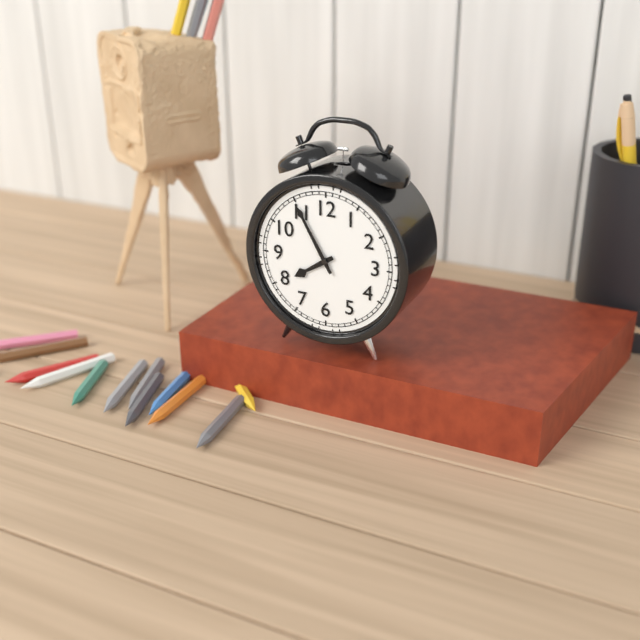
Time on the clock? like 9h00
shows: 7h55
